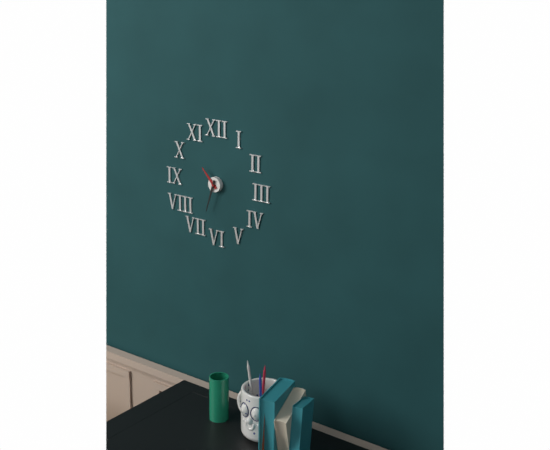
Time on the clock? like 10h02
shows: 10h33
